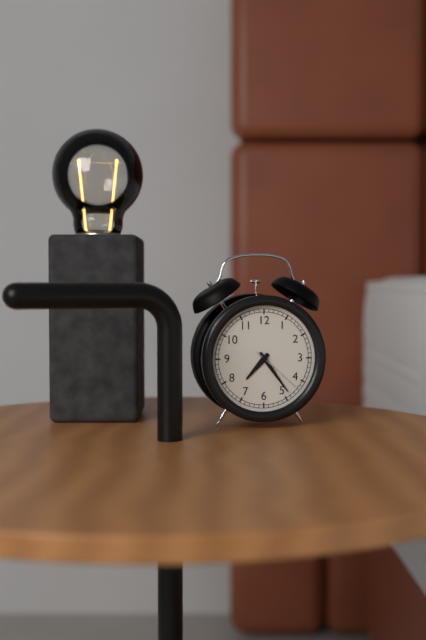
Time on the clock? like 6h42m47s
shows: 7h24m22s
